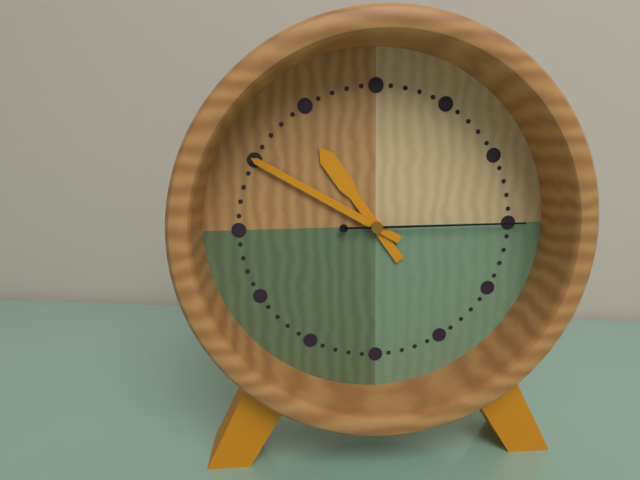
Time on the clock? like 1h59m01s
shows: 10h50m15s
